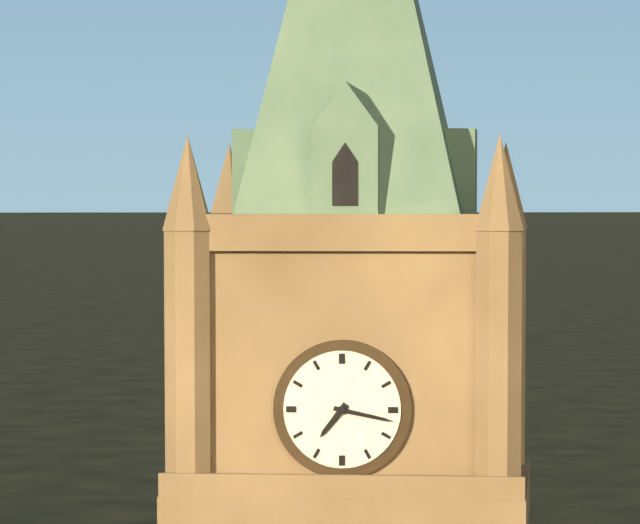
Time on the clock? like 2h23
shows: 7h17
